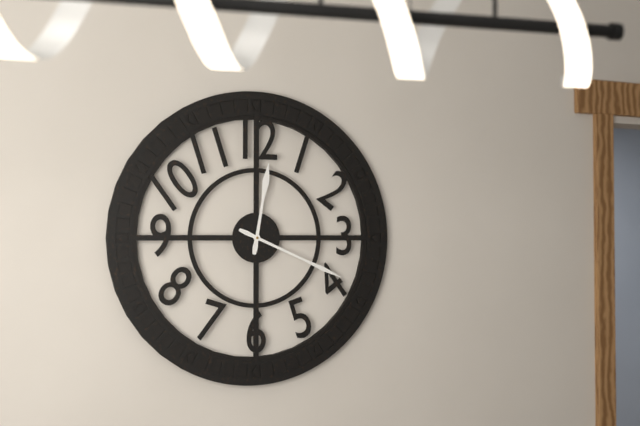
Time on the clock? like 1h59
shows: 12h19
